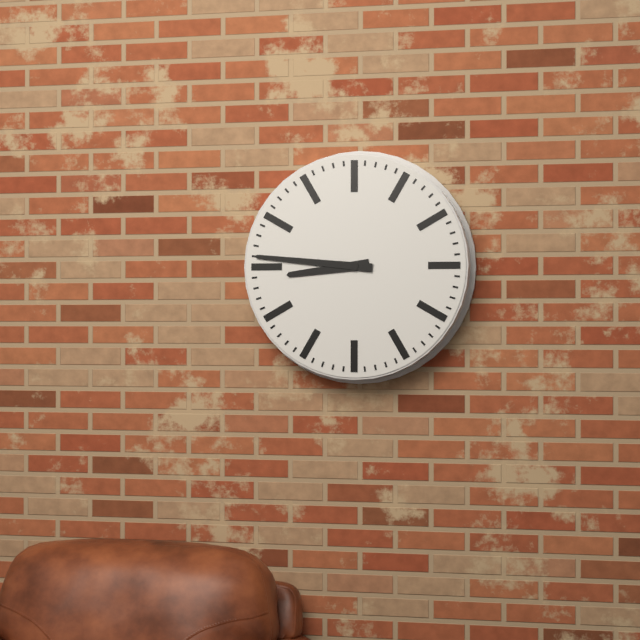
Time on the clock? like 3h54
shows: 8h46
